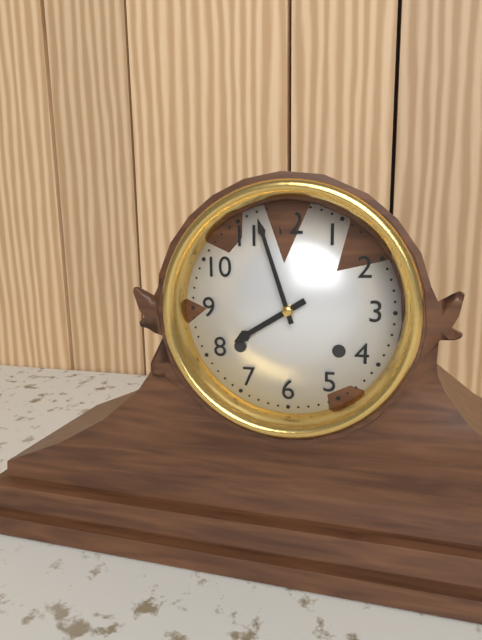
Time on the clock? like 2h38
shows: 7h57
